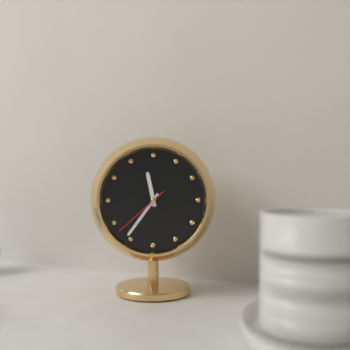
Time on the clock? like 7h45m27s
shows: 11h36m38s
